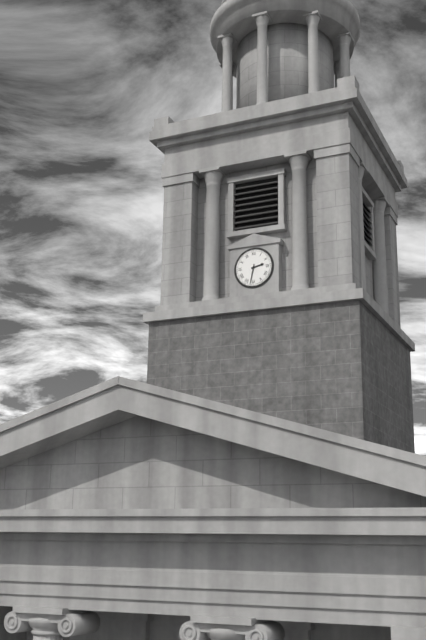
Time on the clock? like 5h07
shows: 2h32
